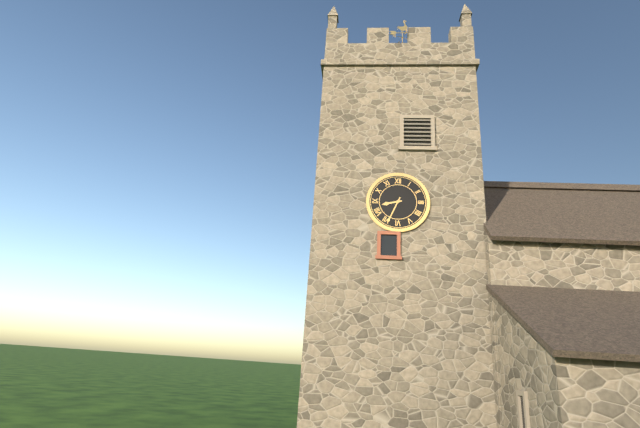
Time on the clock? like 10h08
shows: 8h34
